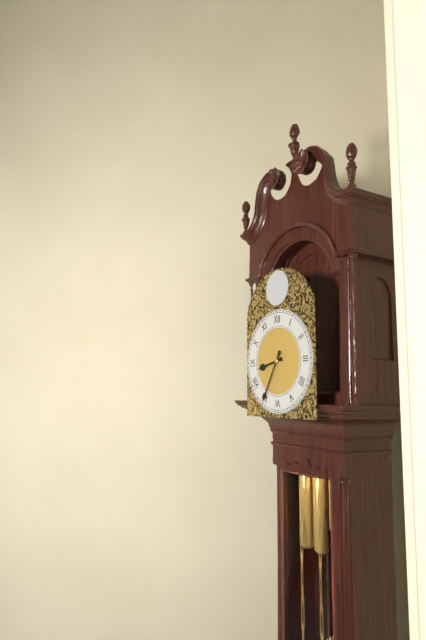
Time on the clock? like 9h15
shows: 8h35
